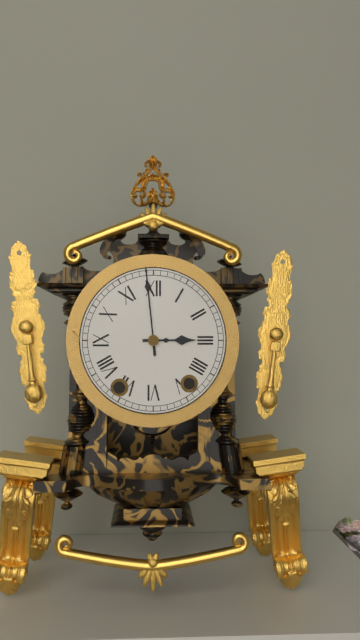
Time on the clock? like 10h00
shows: 2h59
